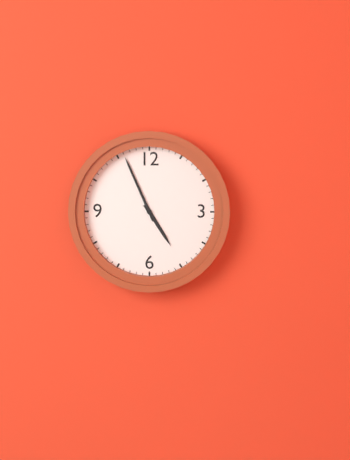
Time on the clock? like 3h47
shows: 4h56
